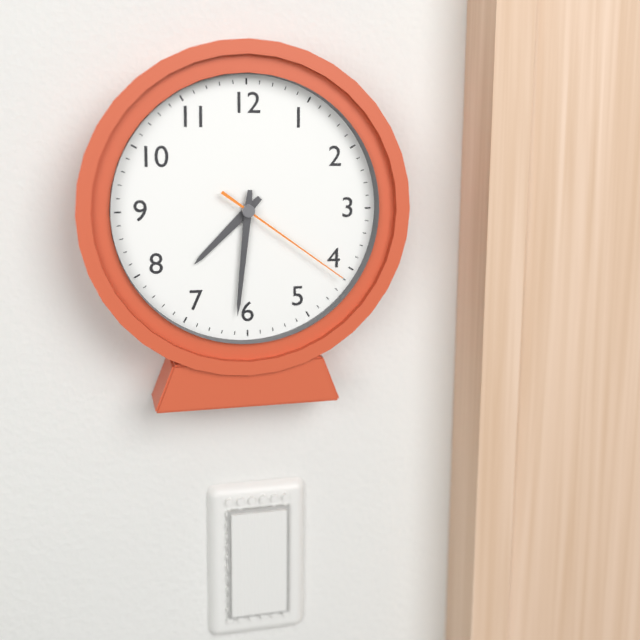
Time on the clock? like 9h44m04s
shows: 7h31m21s
